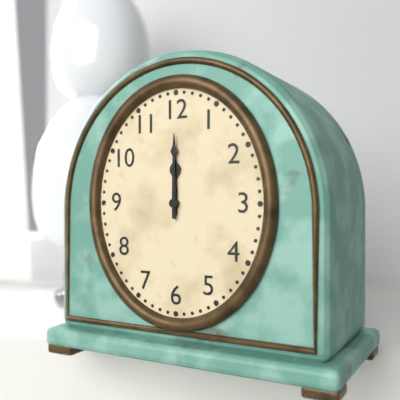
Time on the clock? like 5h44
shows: 12h00
